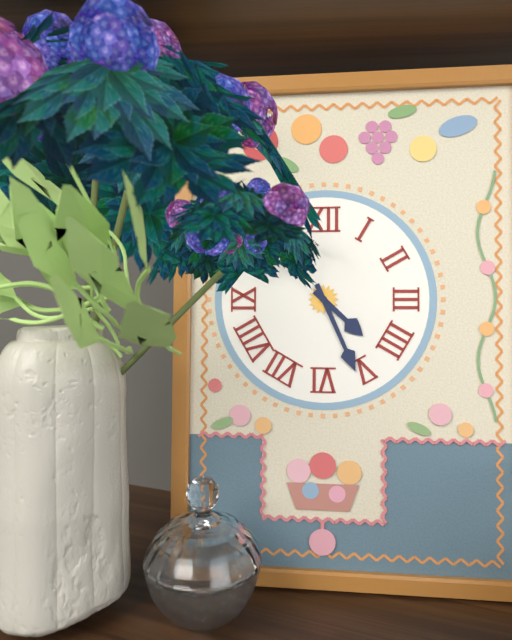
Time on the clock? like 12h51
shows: 4h26
